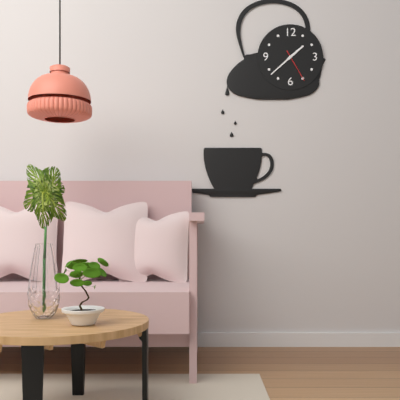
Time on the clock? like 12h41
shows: 1h38
